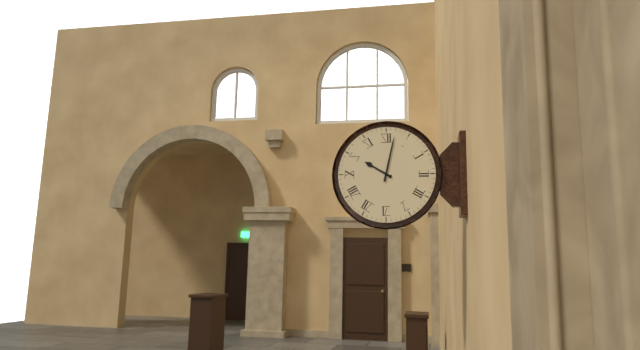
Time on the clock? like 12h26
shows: 10h02
